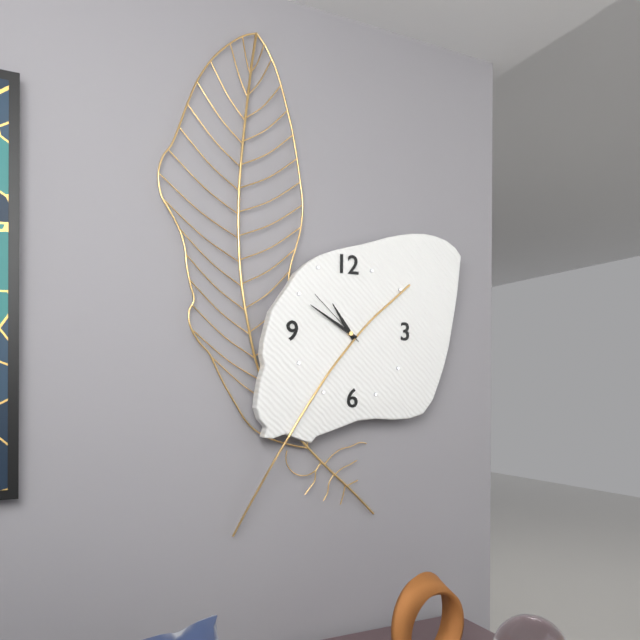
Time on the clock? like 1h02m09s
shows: 10h50m52s
